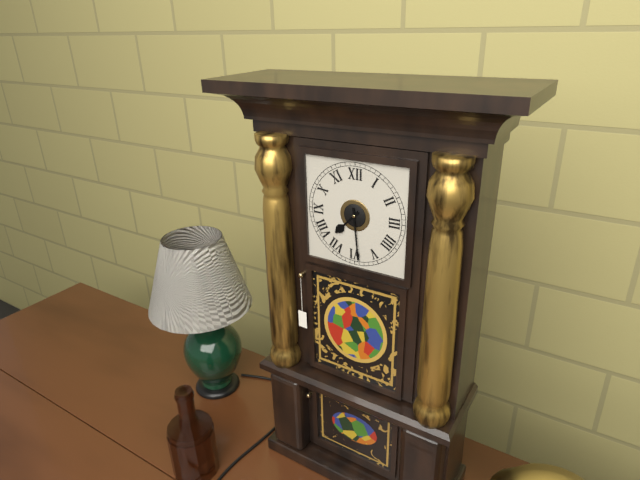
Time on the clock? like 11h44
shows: 7h29
